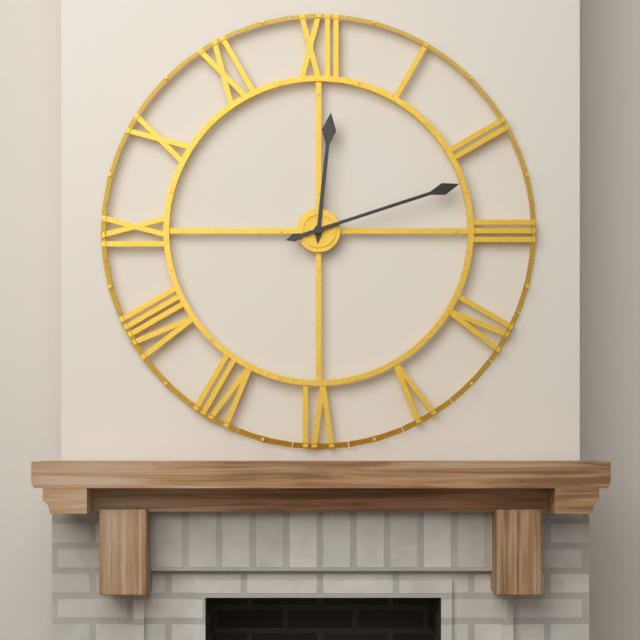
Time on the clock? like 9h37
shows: 12h12
